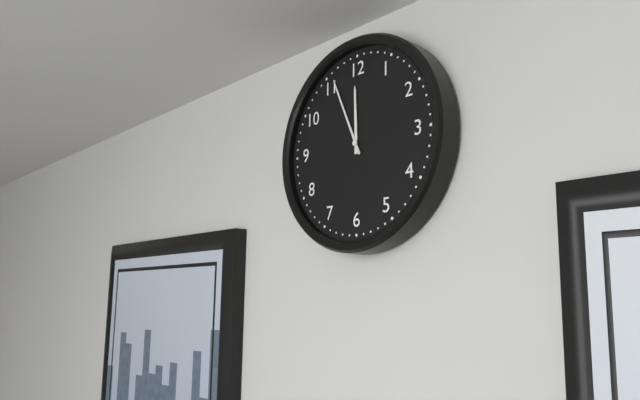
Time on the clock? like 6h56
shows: 11h56
